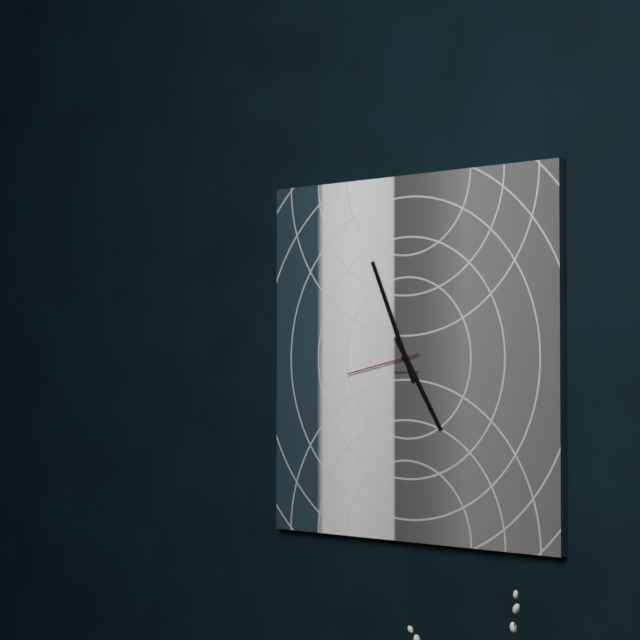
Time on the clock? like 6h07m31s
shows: 4h56m43s
